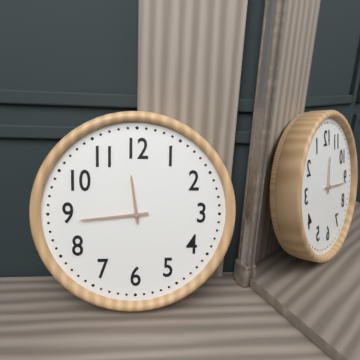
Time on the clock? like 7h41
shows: 11h44
